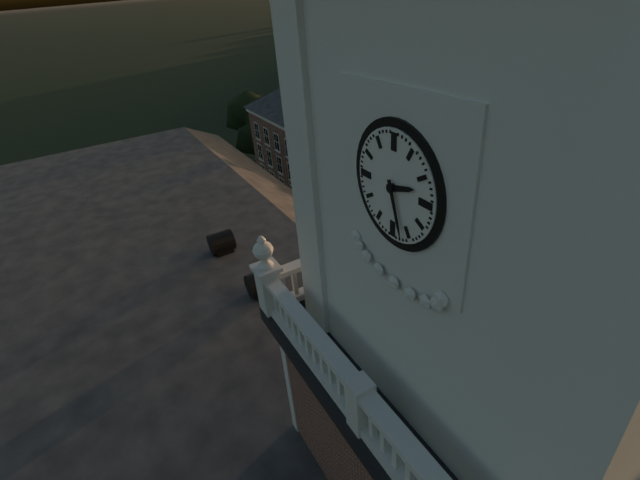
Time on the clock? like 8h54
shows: 2h27
